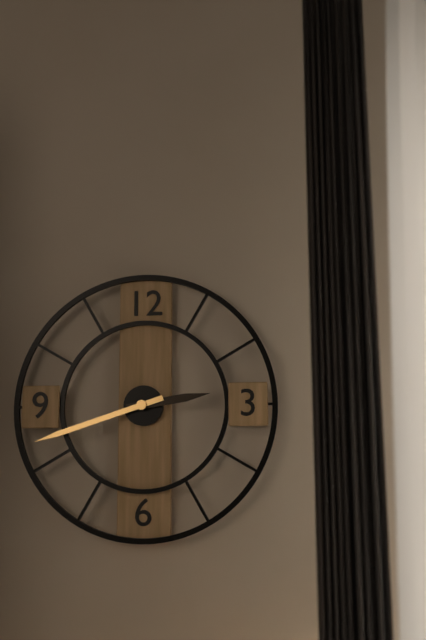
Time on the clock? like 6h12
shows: 2h42
